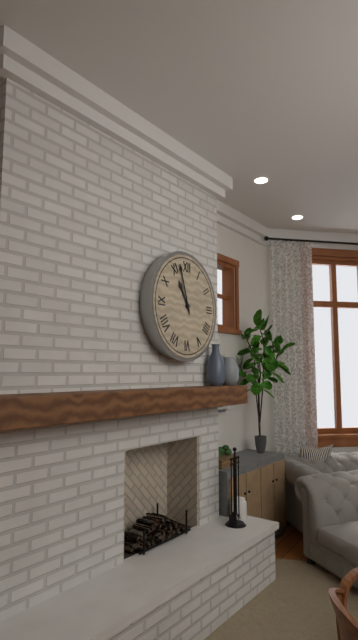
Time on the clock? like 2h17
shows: 10h57
